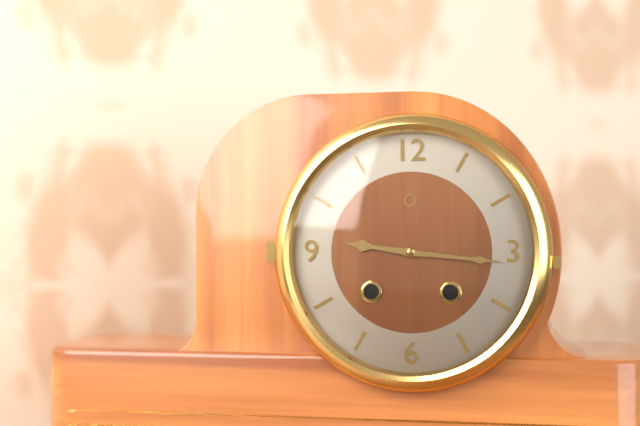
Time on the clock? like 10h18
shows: 9h16
